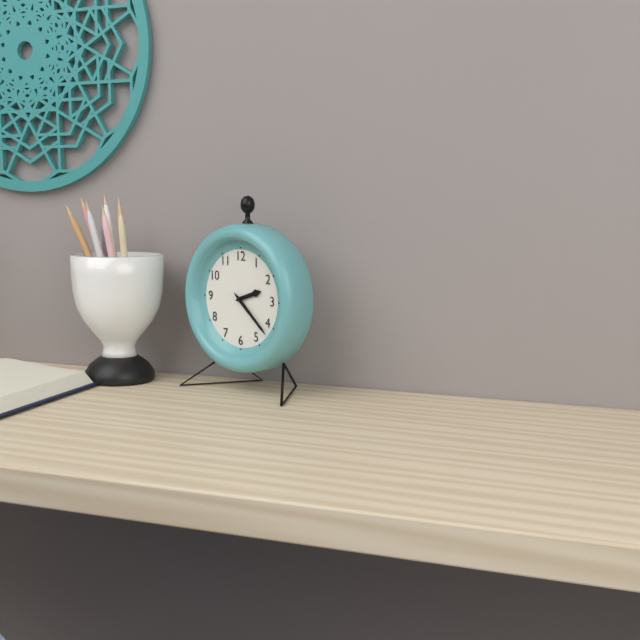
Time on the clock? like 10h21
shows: 2h22
